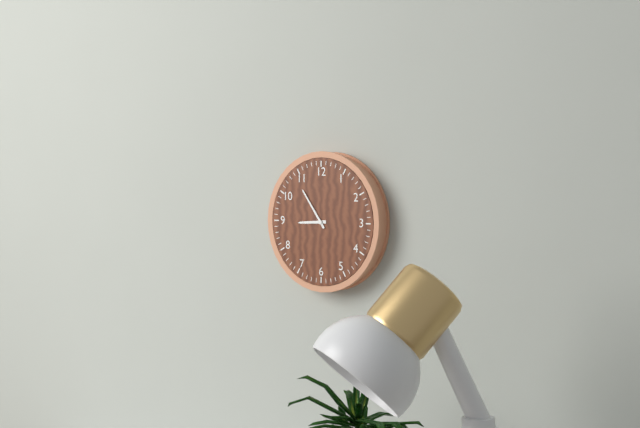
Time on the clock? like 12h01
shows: 8h54
